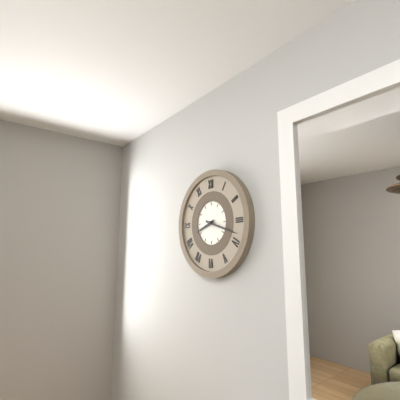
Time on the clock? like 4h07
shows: 8h18
